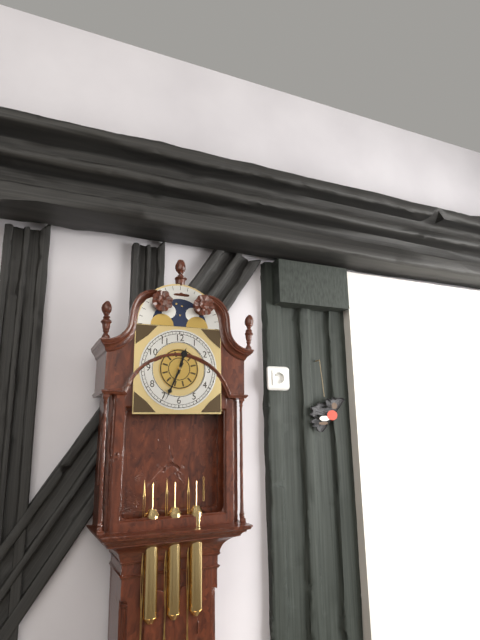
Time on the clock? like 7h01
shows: 12h34
